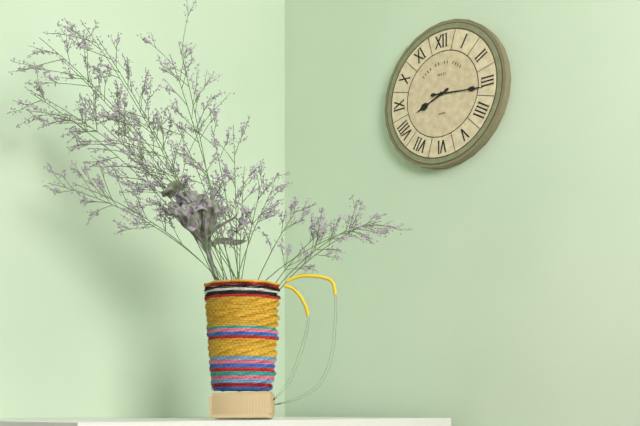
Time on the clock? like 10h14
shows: 8h16
